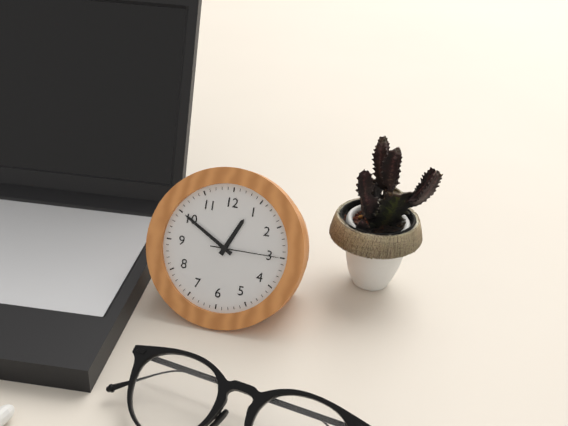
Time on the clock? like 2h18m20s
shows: 12h50m15s
